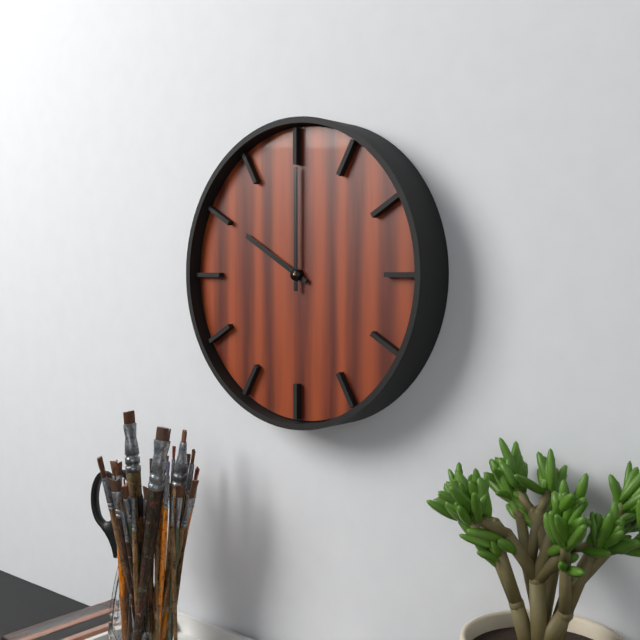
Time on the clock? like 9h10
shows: 10h00
